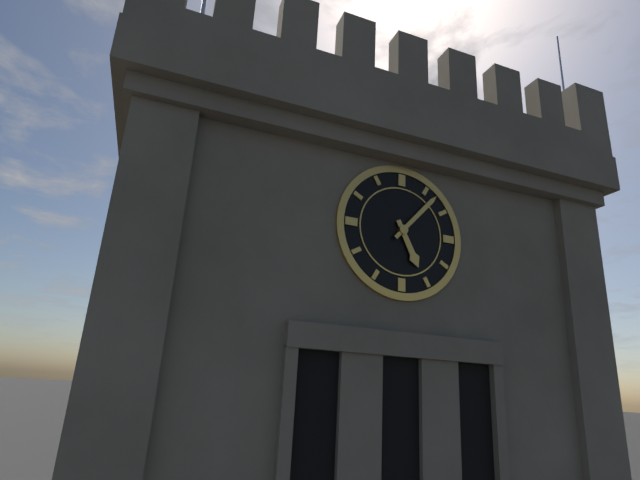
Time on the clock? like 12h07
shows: 5h07
